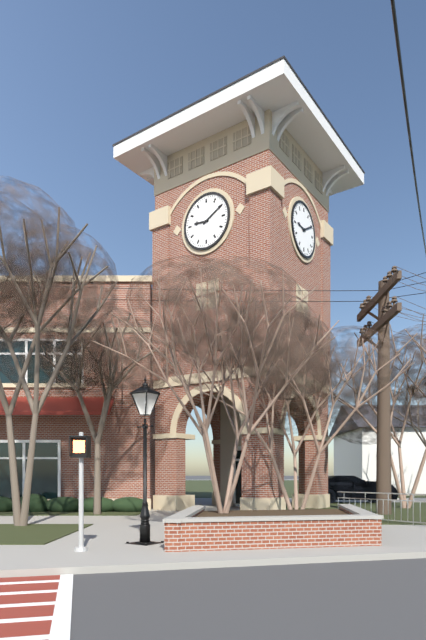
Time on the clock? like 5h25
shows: 9h10
